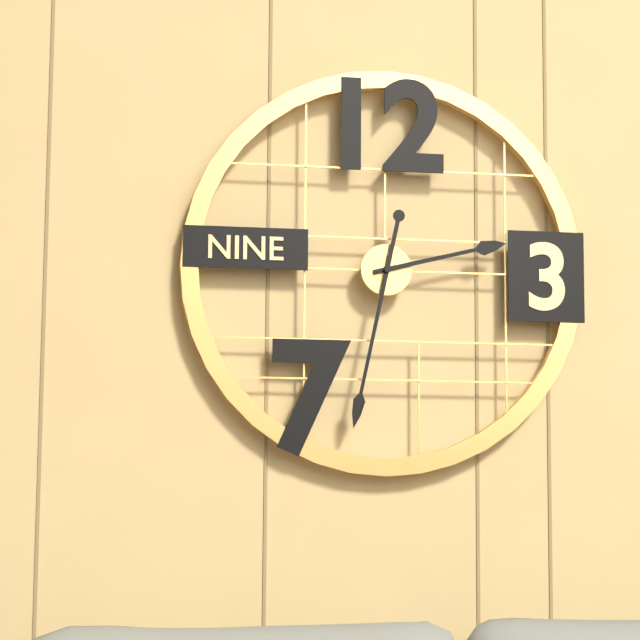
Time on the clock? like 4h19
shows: 2h32
